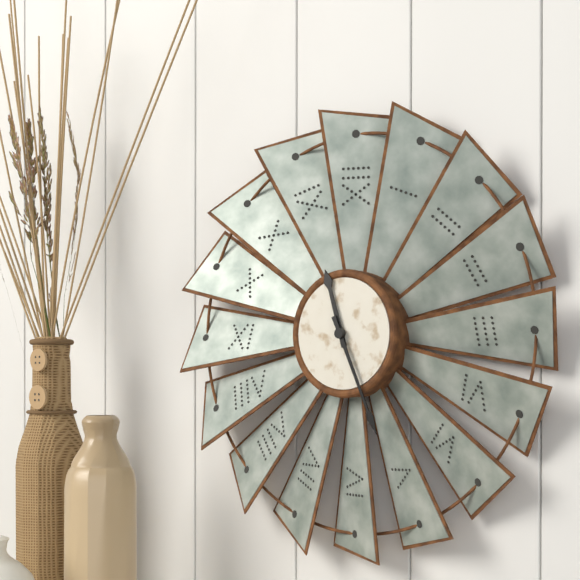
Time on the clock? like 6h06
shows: 11h26
